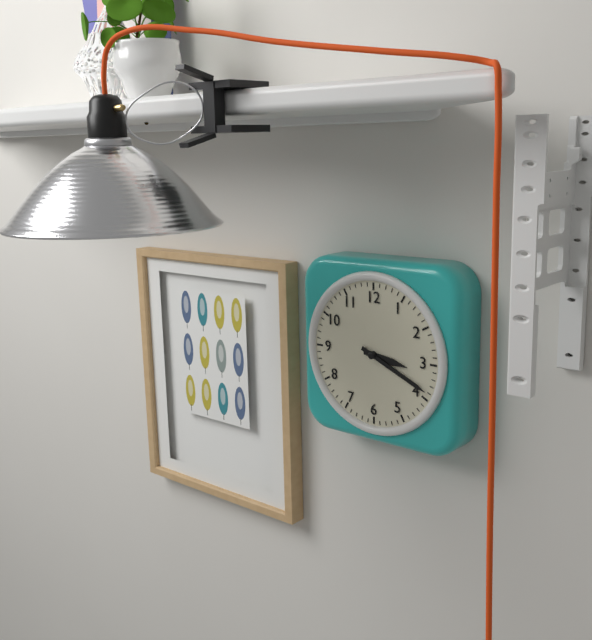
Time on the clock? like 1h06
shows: 3h19
